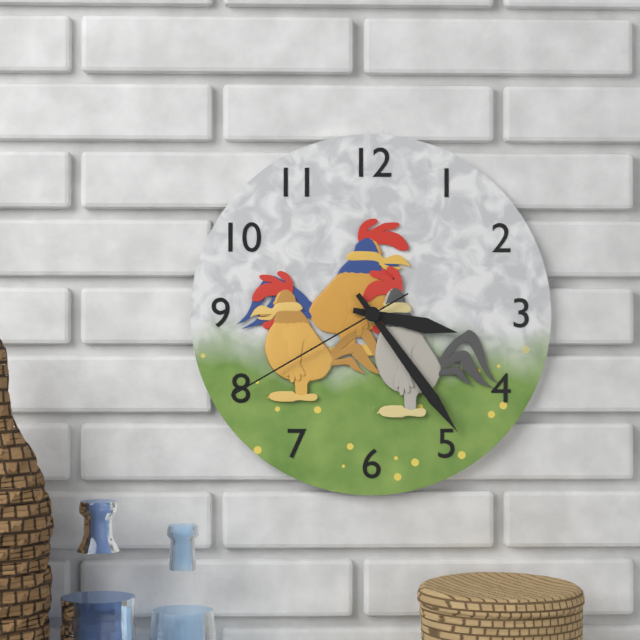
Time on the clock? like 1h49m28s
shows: 3h24m40s
